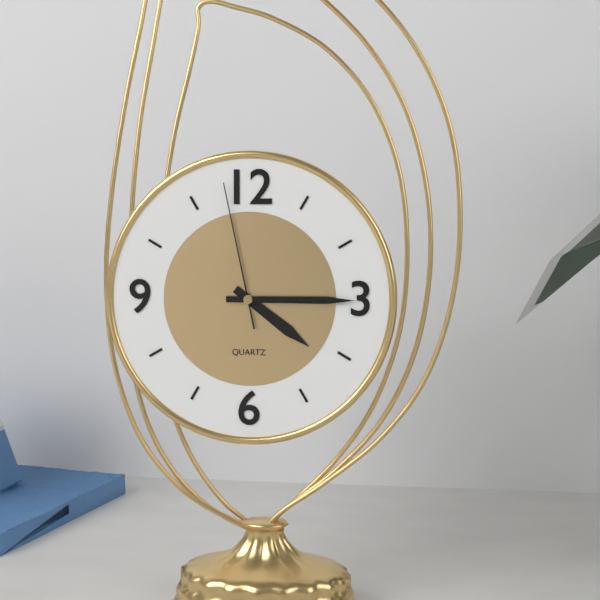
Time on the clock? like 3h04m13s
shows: 4h15m58s
